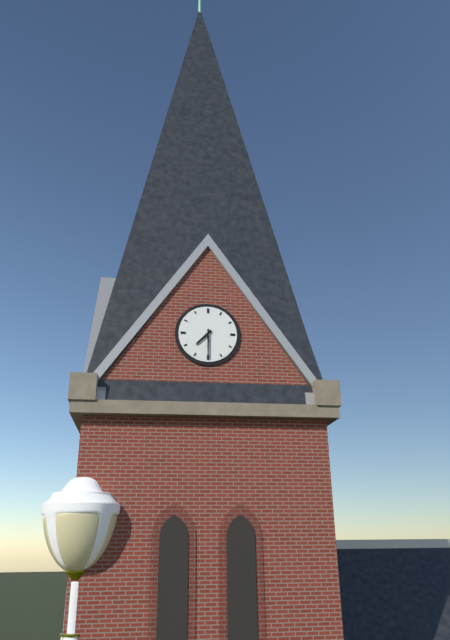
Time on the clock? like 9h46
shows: 7h30
